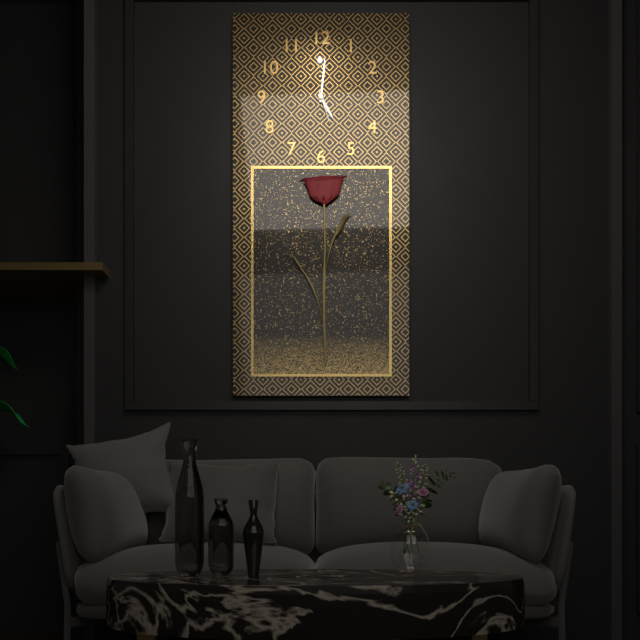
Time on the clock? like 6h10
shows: 5h01
